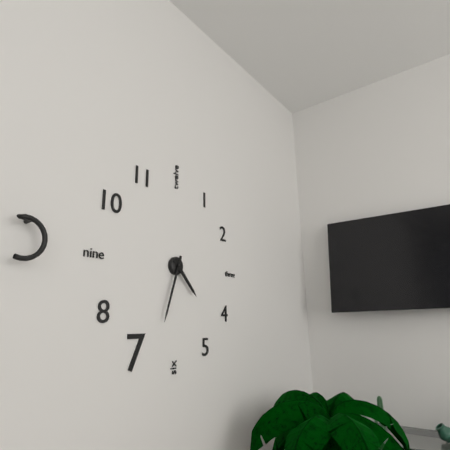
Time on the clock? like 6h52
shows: 4h33
